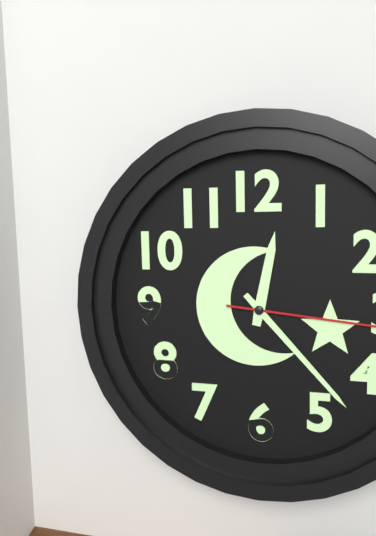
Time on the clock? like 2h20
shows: 12h23
